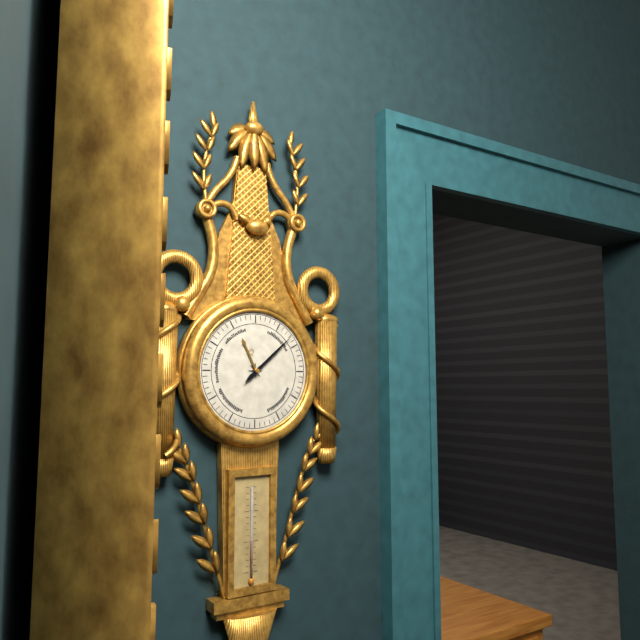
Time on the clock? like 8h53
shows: 11h08
